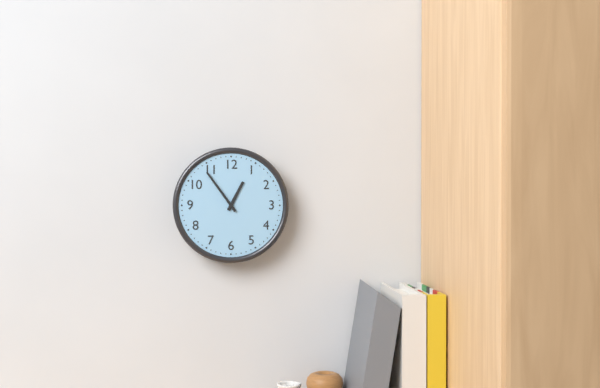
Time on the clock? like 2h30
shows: 12h54
